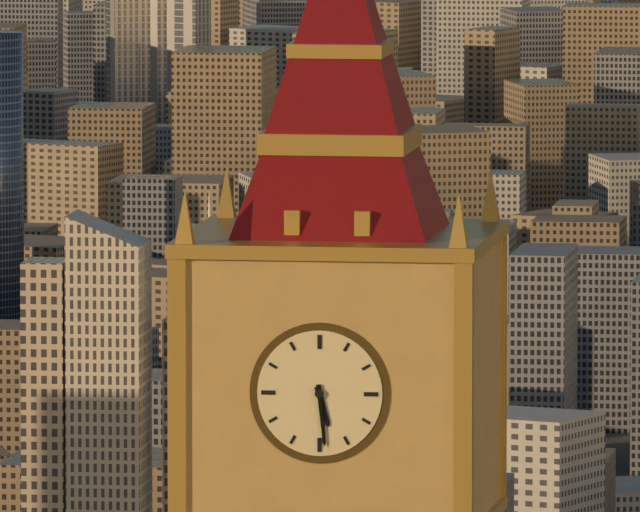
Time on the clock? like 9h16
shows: 5h29
